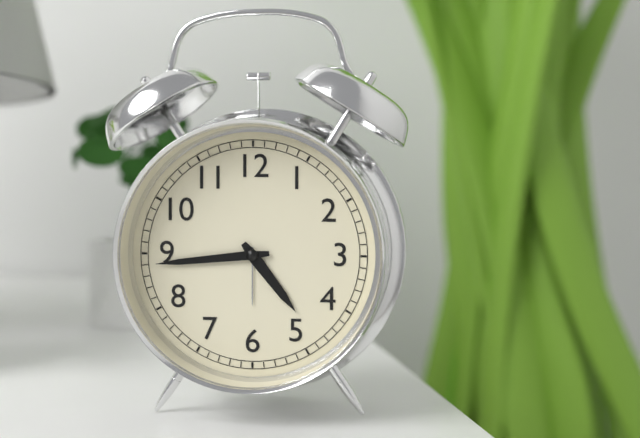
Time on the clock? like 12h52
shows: 4h44
